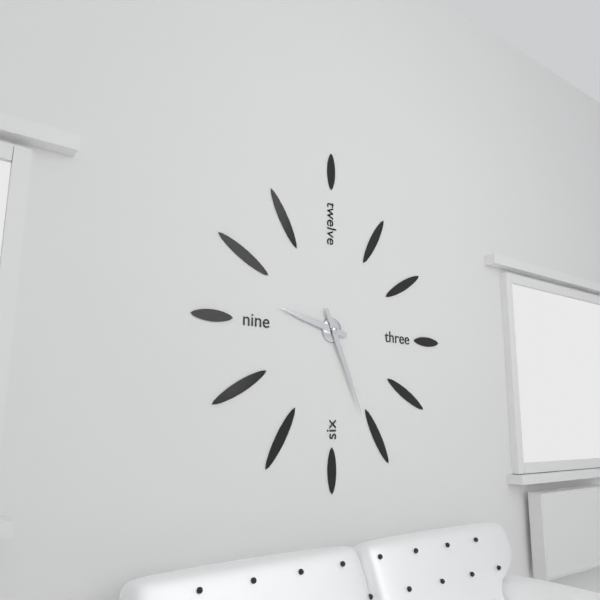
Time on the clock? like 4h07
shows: 9h26
